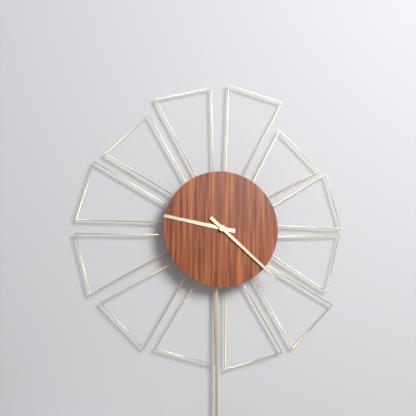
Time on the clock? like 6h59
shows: 9h22
